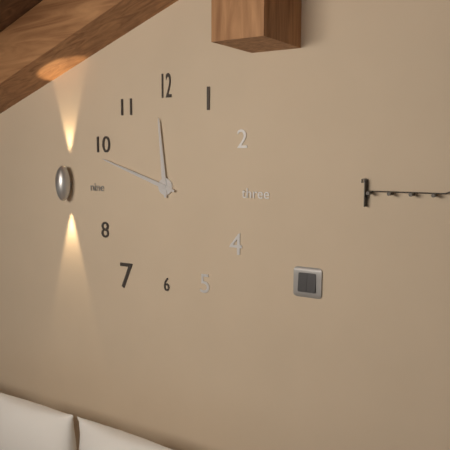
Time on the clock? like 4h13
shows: 11h48
